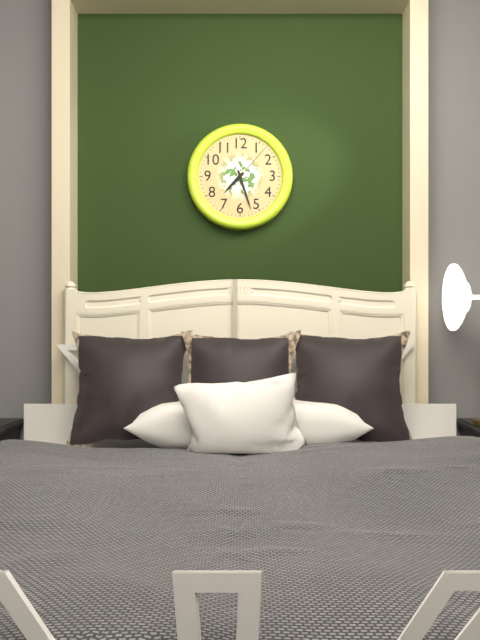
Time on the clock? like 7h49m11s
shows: 7h27m07s
